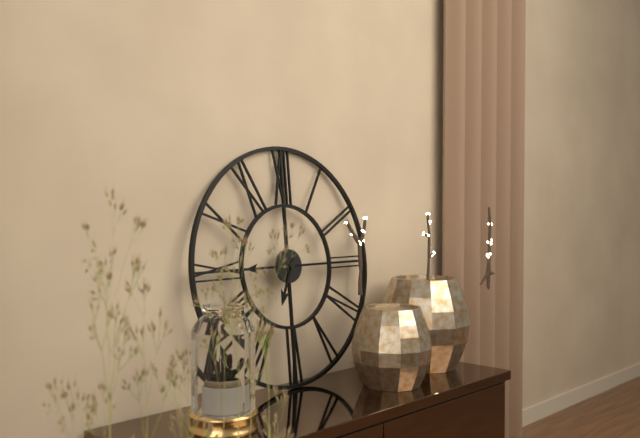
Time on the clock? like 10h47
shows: 6h45
